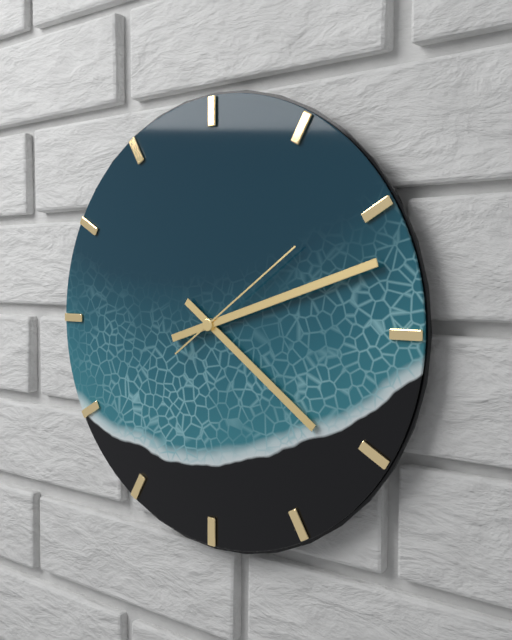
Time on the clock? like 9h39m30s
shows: 4h12m09s
